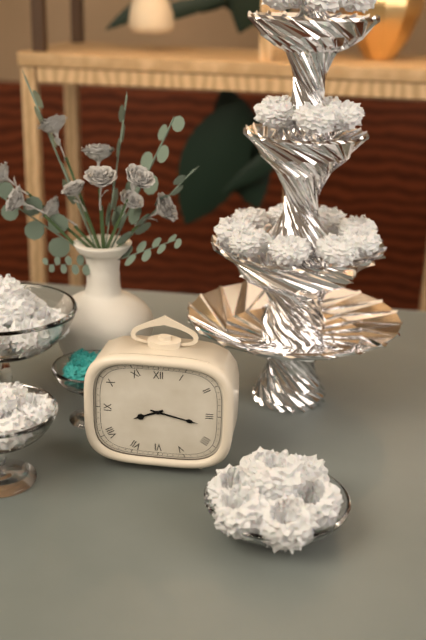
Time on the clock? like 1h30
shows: 8h17
